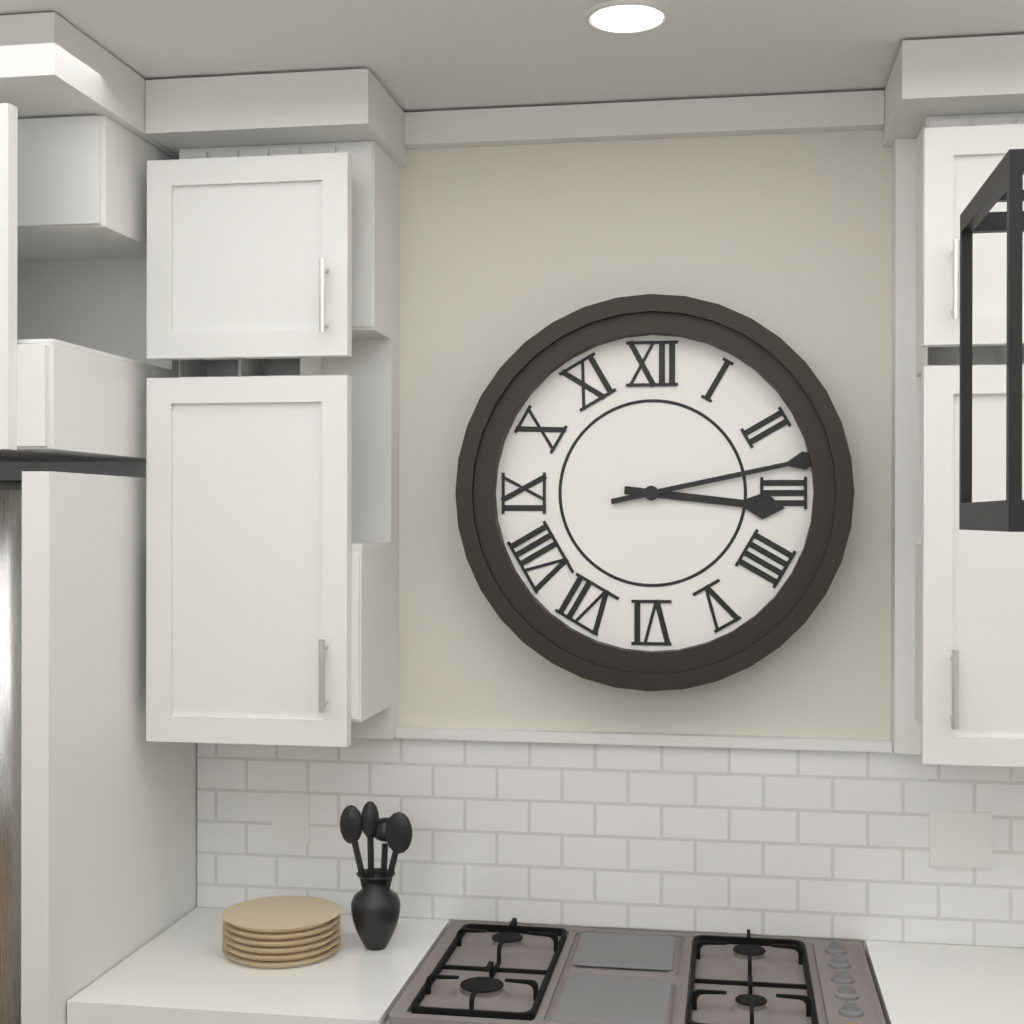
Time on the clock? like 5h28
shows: 3h13
